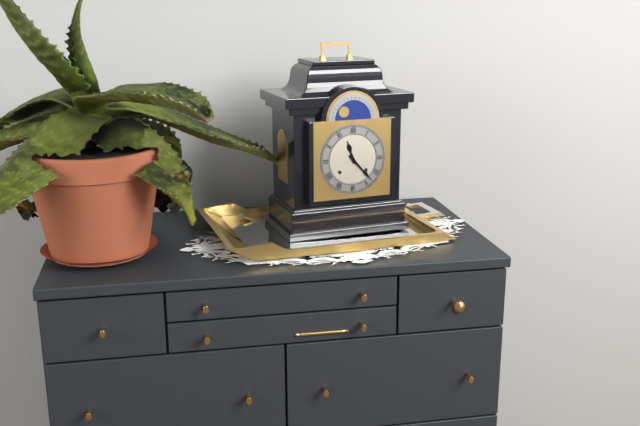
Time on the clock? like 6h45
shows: 11h23
